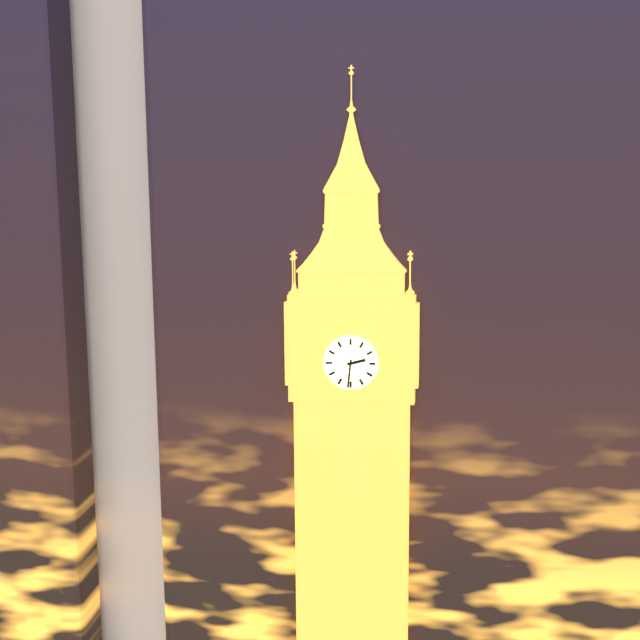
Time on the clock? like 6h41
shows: 2h31
